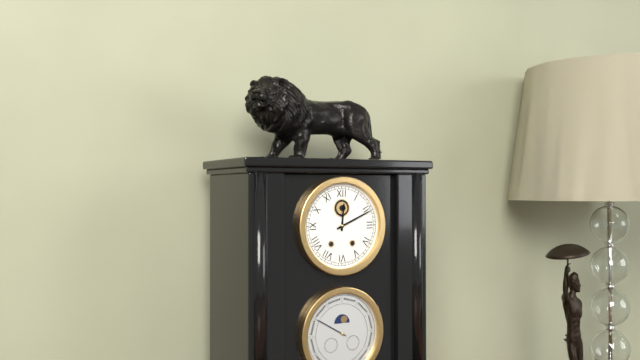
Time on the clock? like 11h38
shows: 12h11
